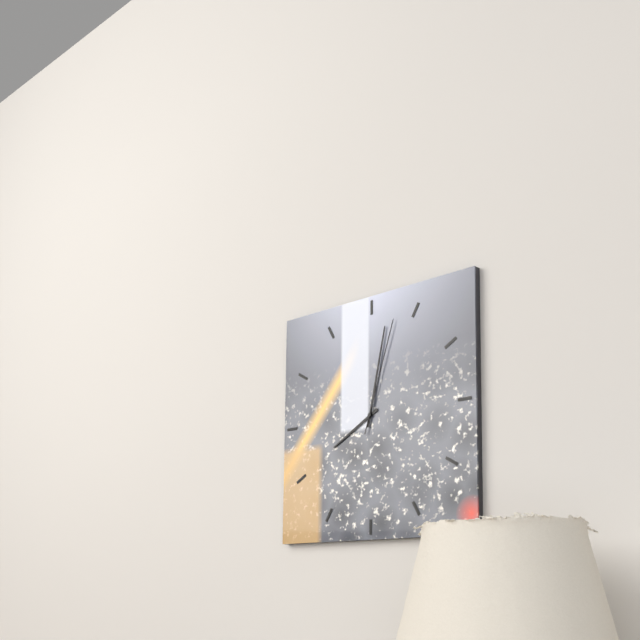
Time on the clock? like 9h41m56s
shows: 8h02m03s
